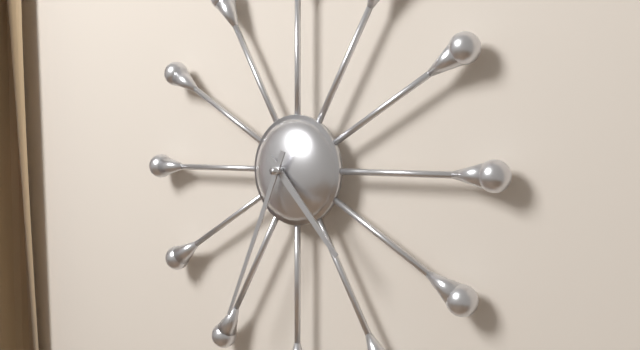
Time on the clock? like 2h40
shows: 4h34
